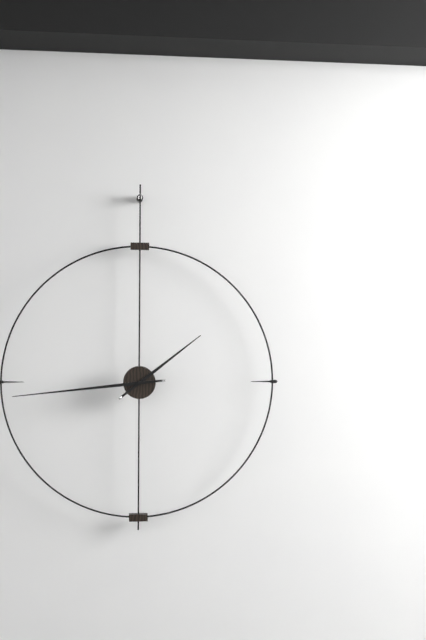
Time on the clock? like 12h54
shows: 1h44
